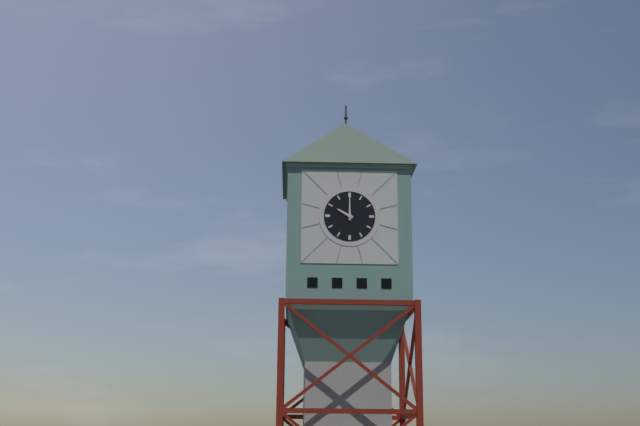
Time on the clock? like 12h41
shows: 10h00
